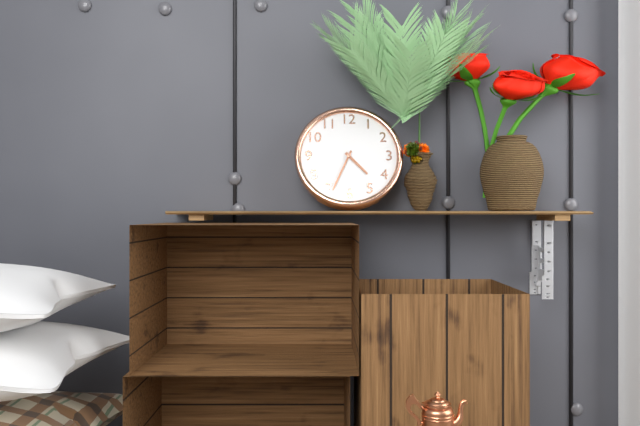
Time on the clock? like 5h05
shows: 4h34
